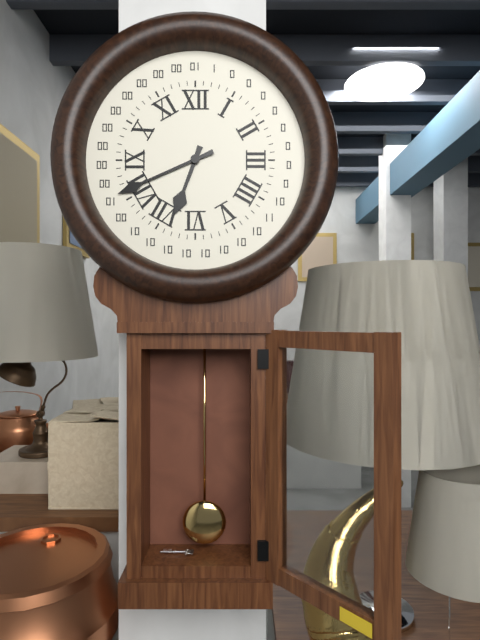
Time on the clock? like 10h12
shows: 6h41
